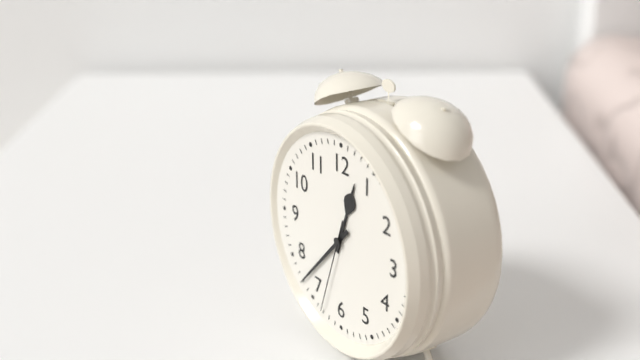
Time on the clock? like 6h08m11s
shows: 12h37m33s
